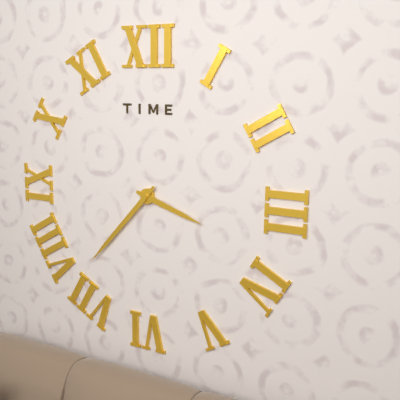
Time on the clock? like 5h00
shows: 3h37
